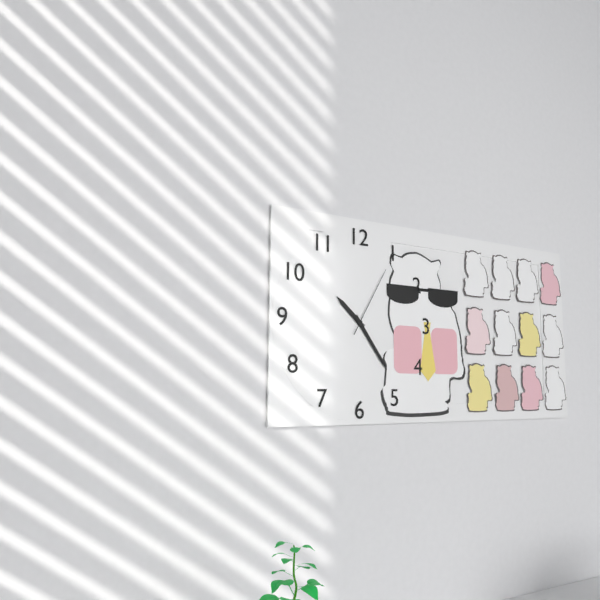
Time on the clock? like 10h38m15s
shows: 10h24m05s
